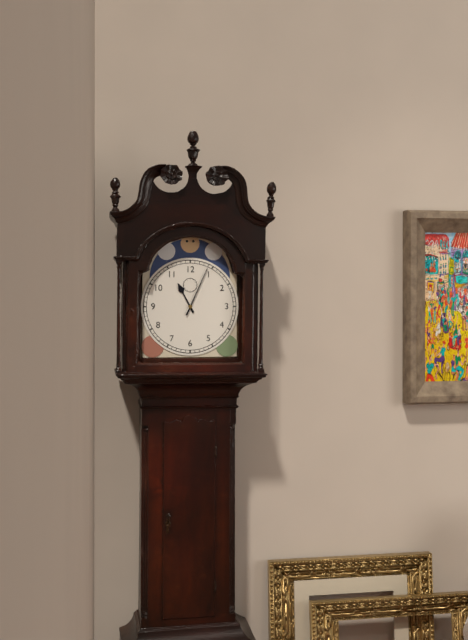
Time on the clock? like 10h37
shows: 11h04
